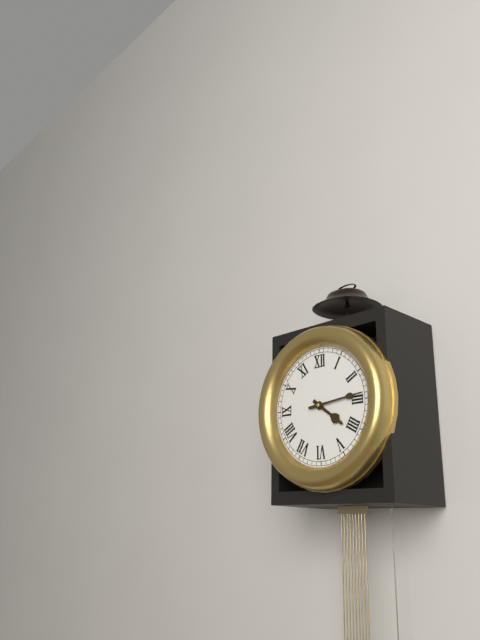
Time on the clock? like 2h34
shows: 4h14
